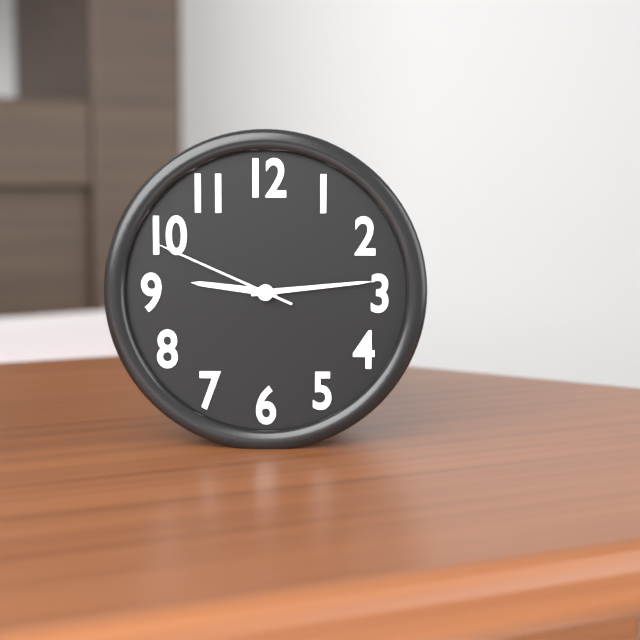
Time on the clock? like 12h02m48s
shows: 9h14m49s
